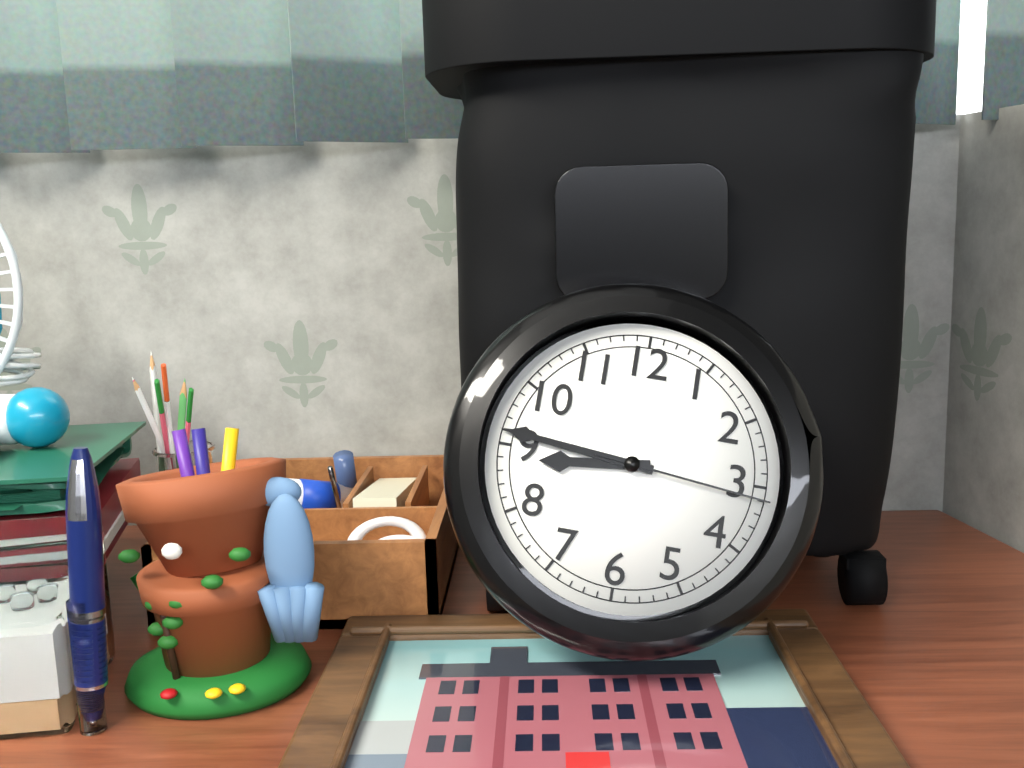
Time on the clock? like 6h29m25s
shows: 8h46m16s
